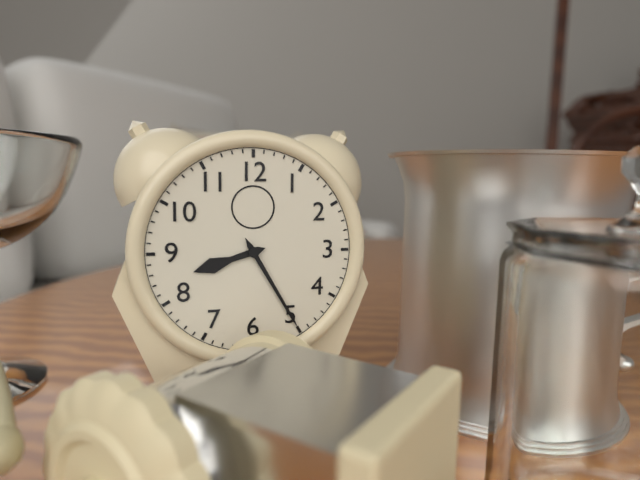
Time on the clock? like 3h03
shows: 8h25
